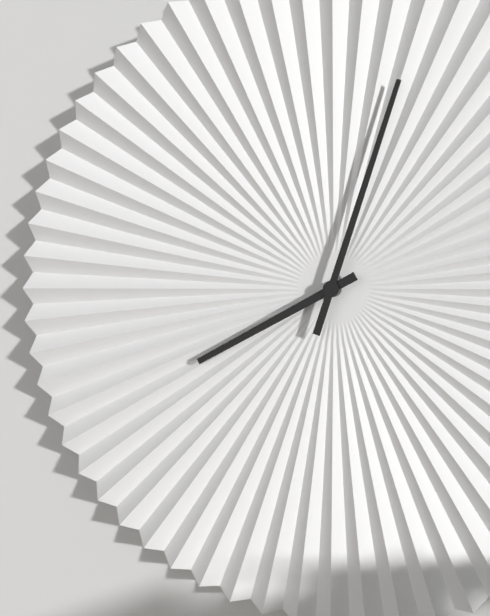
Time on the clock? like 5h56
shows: 8h03
